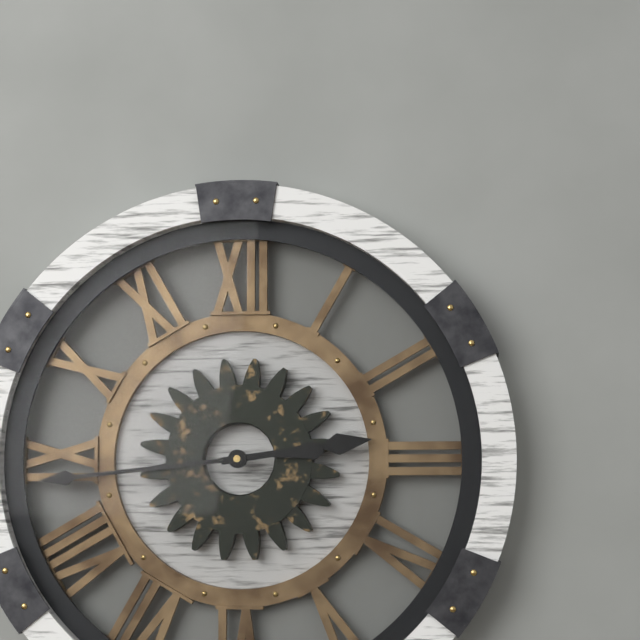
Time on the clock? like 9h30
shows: 2h44
